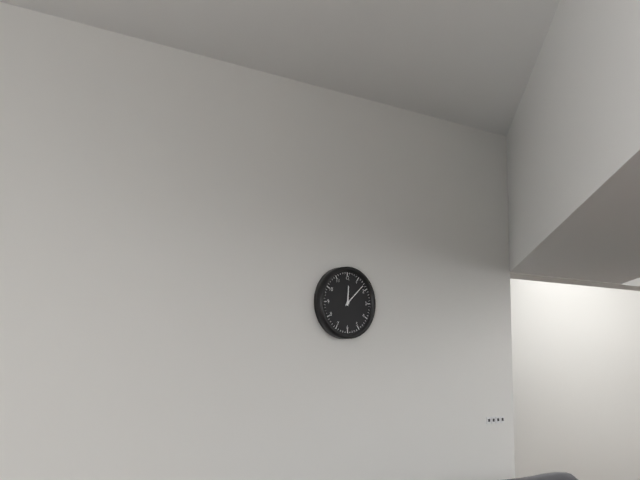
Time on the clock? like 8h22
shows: 12h08
